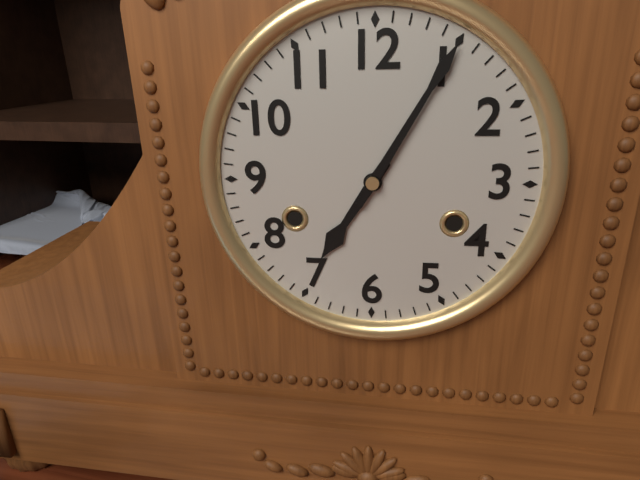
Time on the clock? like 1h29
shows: 7h05
